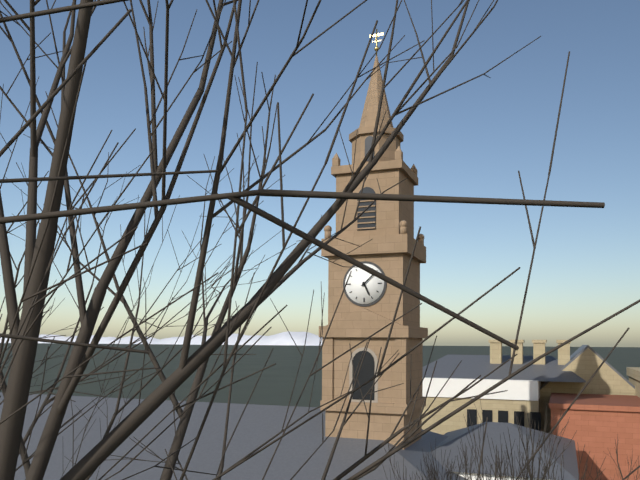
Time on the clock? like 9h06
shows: 5h08
